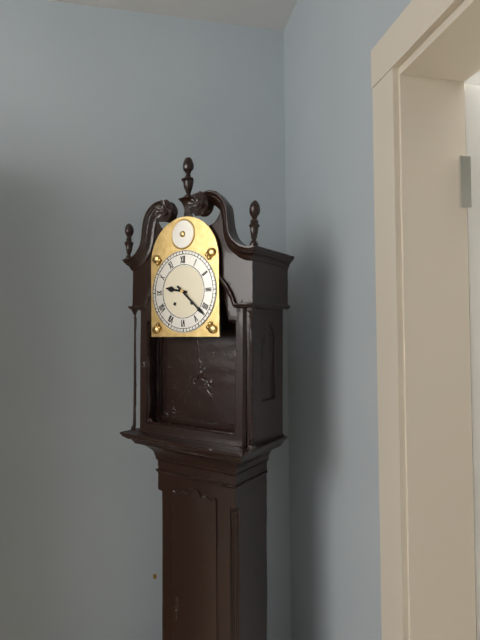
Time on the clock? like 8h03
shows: 9h22
